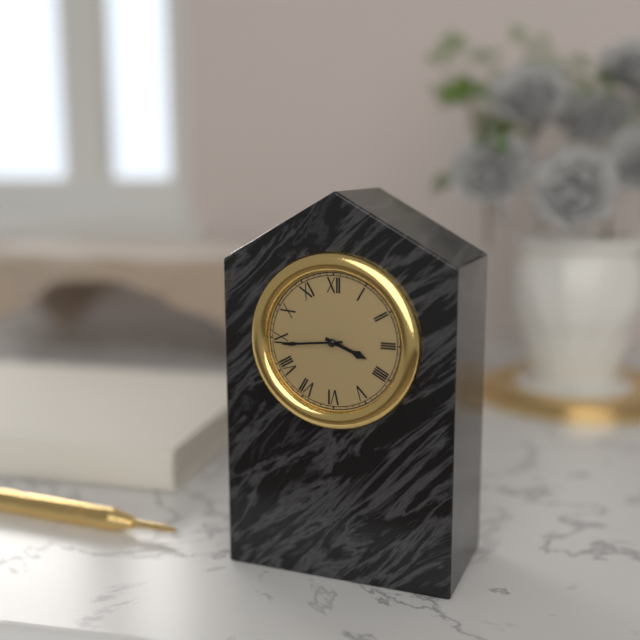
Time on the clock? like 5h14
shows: 3h44
